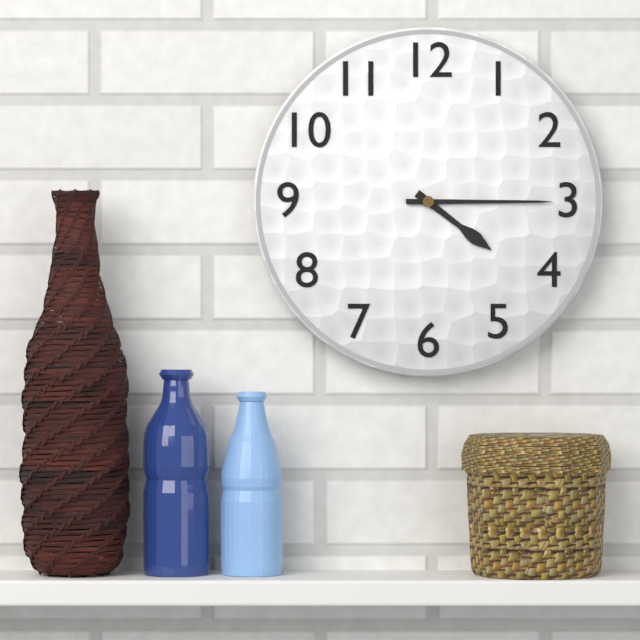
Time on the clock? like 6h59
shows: 4h15
